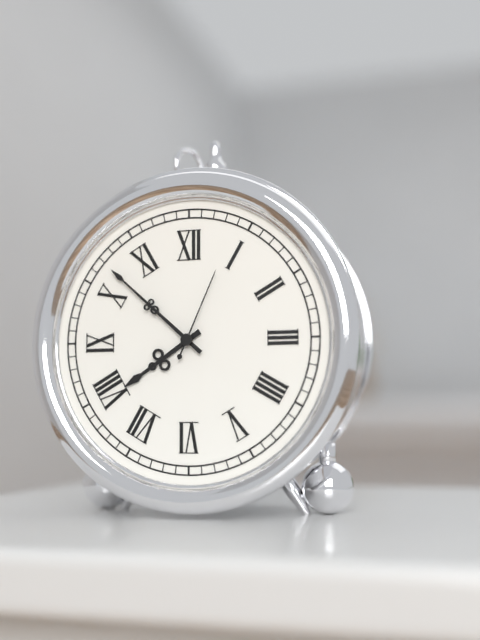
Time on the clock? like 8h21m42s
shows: 7h52m04s
